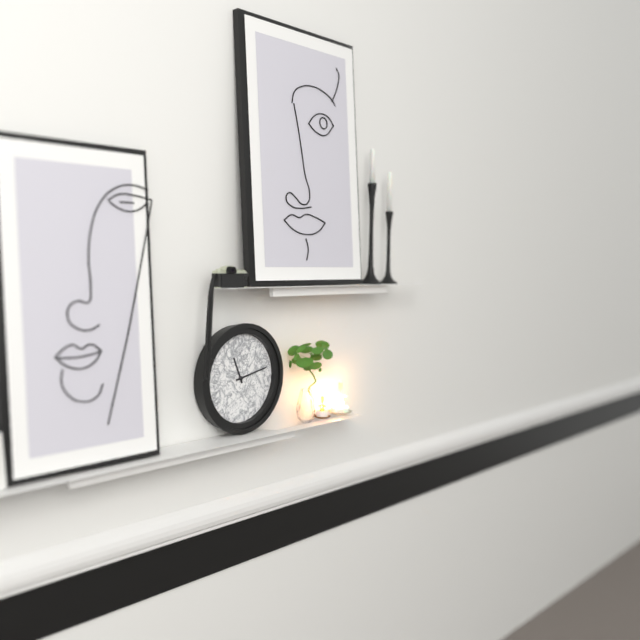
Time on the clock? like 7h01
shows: 11h13
